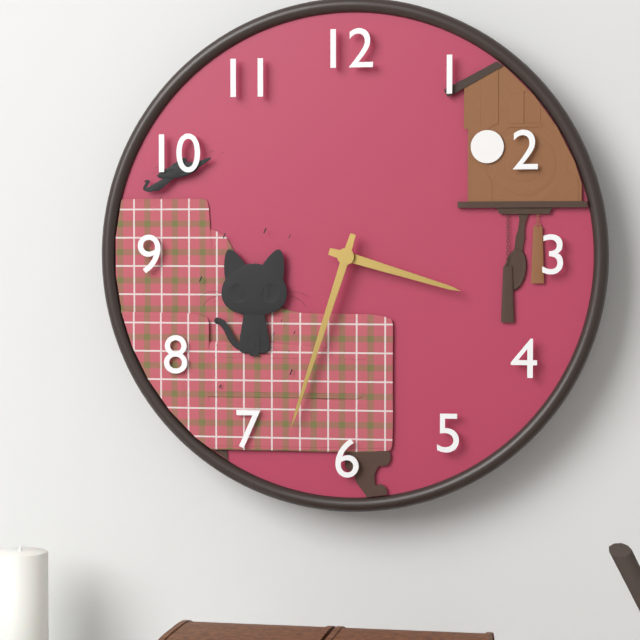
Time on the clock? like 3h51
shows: 3h33
